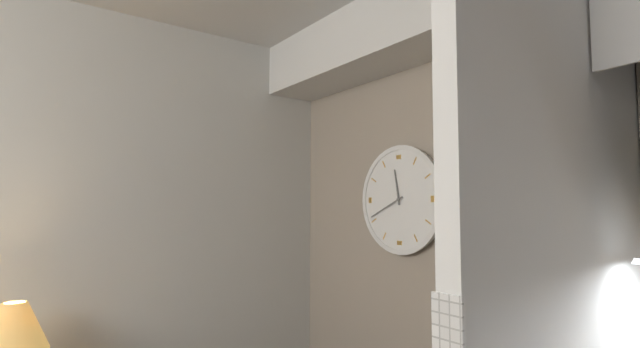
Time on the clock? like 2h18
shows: 11h41
